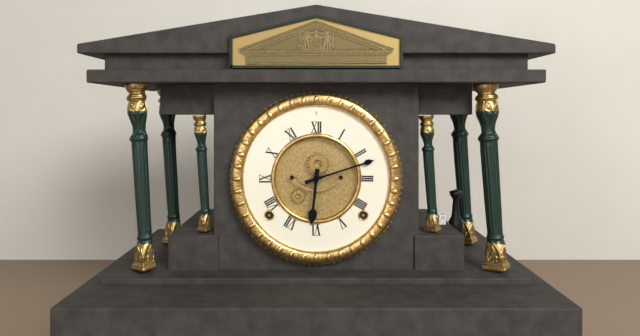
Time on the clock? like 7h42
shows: 6h12
